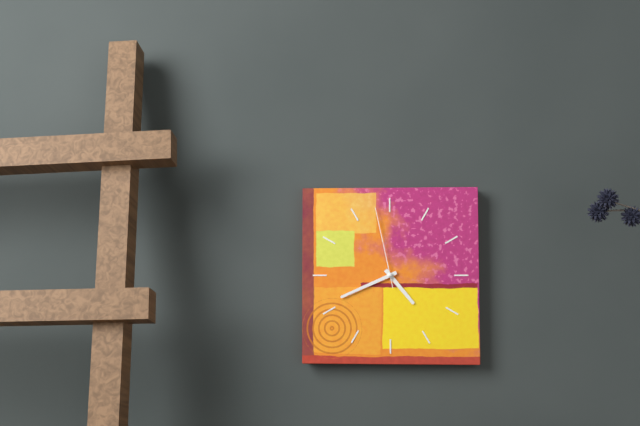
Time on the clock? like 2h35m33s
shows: 4h41m58s
